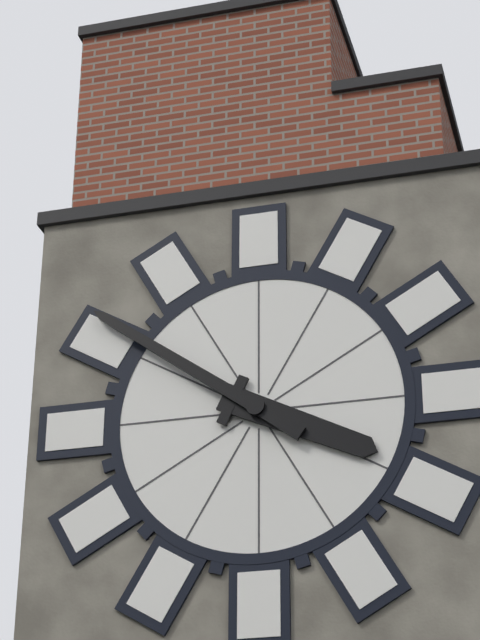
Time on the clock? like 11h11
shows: 3h51
